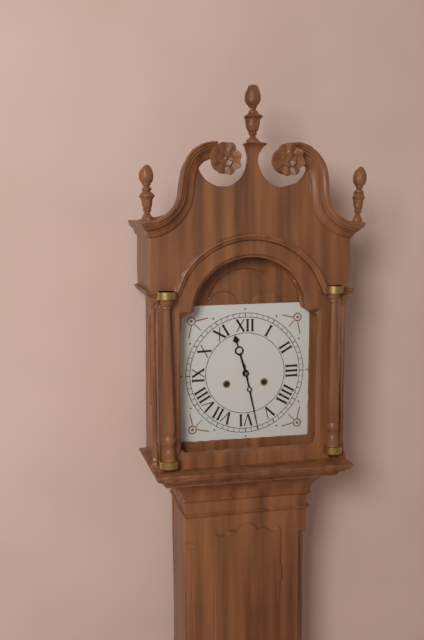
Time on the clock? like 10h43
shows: 11h28
